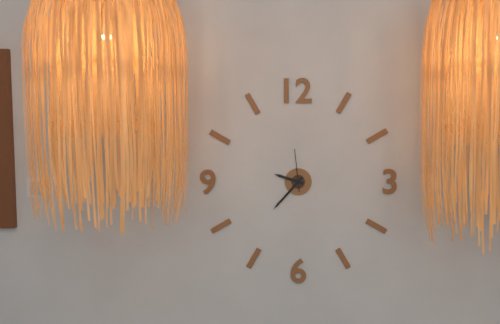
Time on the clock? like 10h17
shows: 9h37
